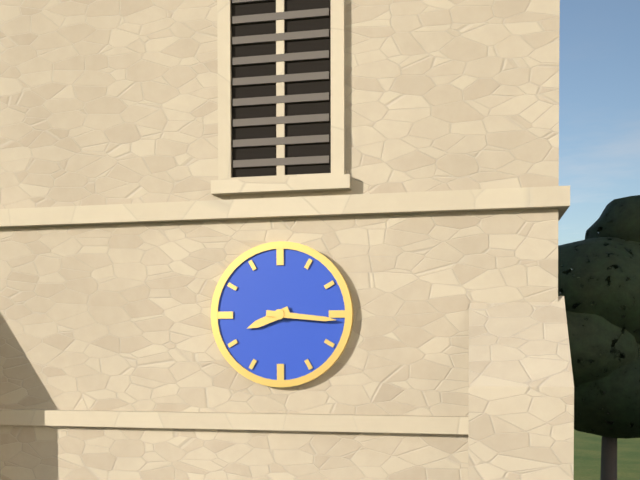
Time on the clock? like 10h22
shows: 8h16
